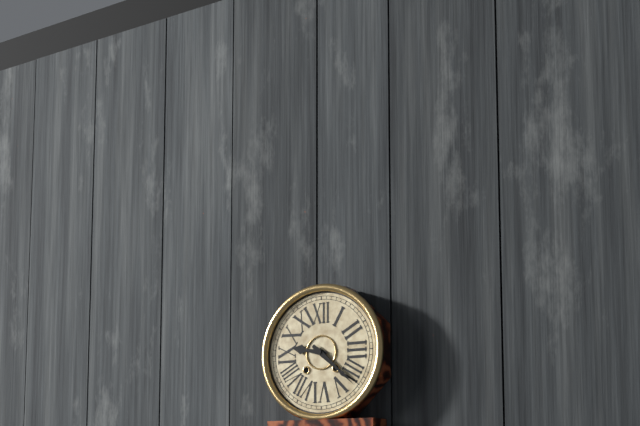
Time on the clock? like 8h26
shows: 9h22
